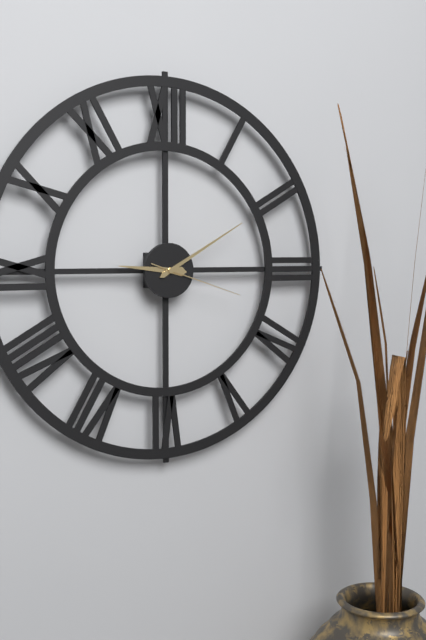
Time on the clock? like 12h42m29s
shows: 9h10m18s
